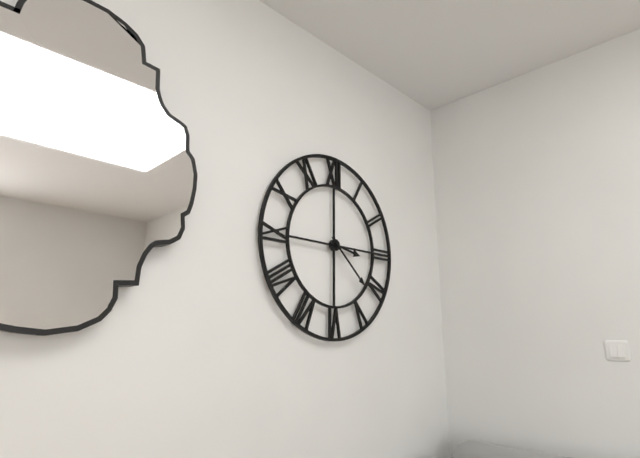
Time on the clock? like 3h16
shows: 3h22
